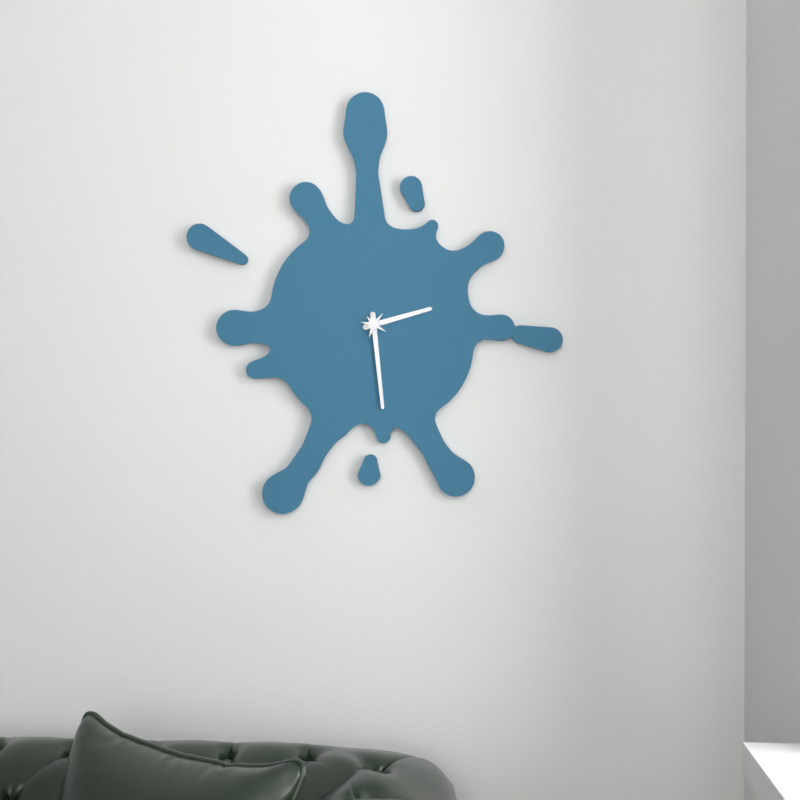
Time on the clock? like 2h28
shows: 2h29
